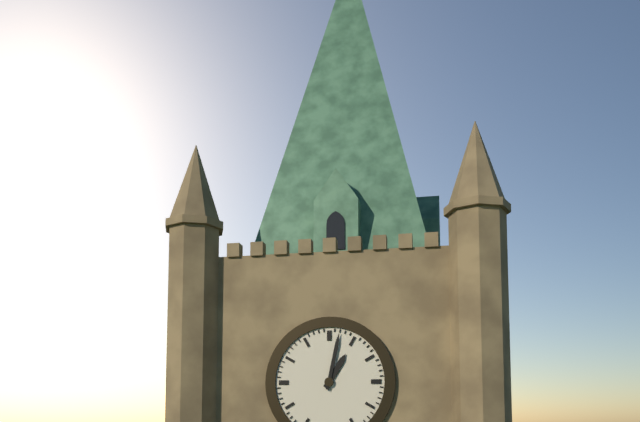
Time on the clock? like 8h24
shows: 1h02
